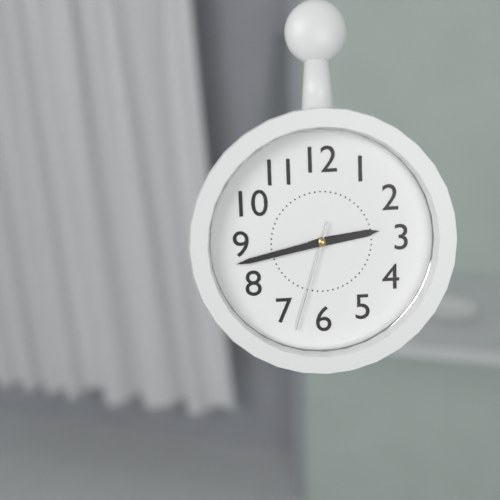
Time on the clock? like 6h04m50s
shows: 2h43m33s
